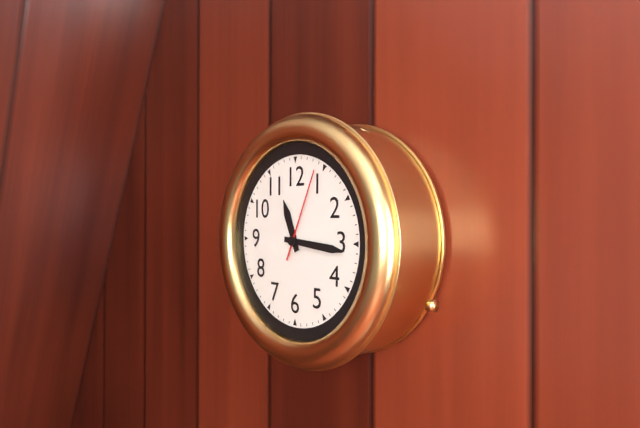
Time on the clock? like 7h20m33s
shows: 11h16m04s
